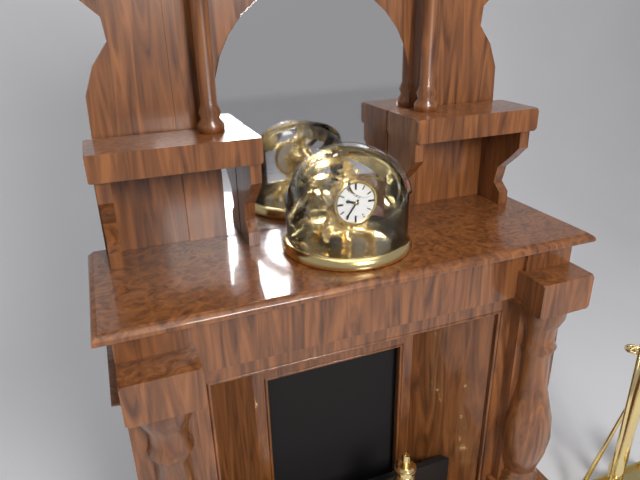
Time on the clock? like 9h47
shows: 9h36
